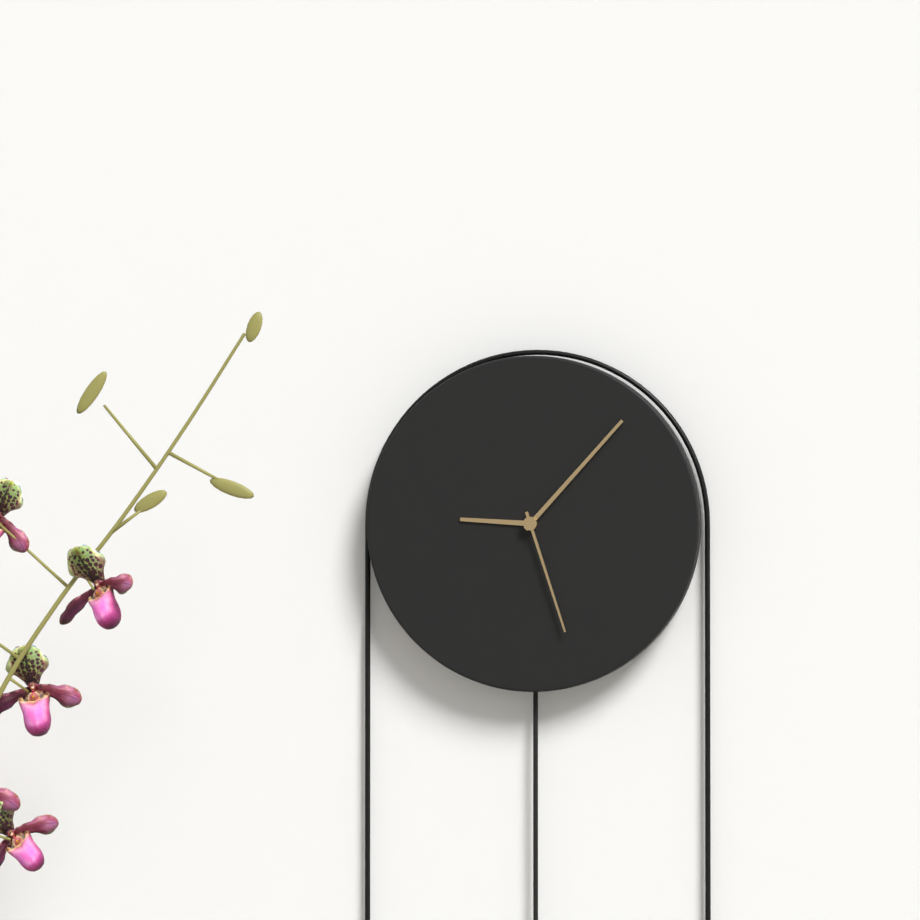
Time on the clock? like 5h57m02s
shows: 9h07m27s
